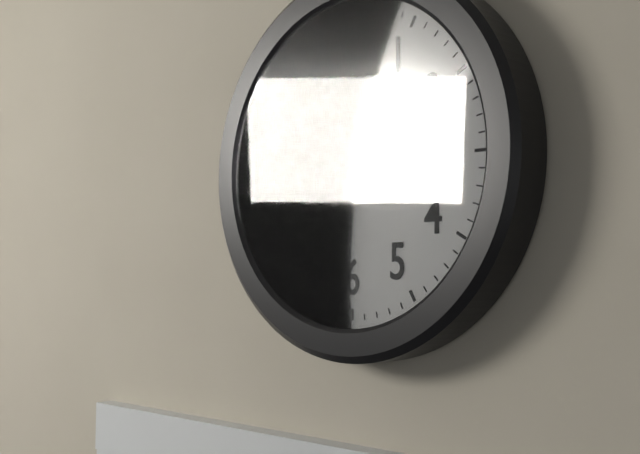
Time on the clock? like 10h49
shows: 11h47
